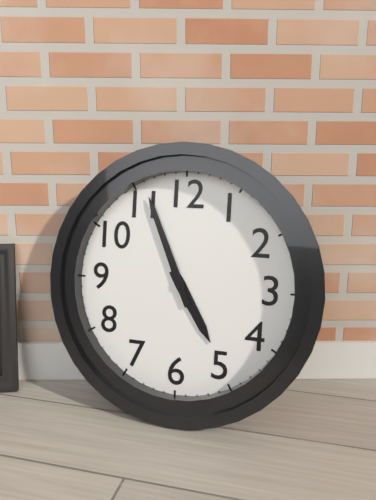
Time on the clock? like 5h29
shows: 4h56
